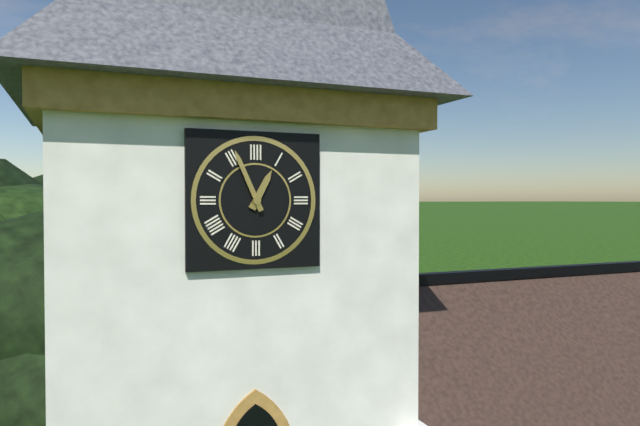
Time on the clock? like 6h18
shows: 12h56
